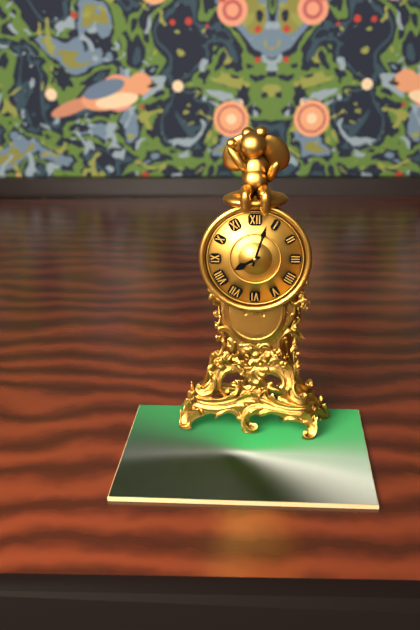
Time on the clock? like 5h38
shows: 8h03
